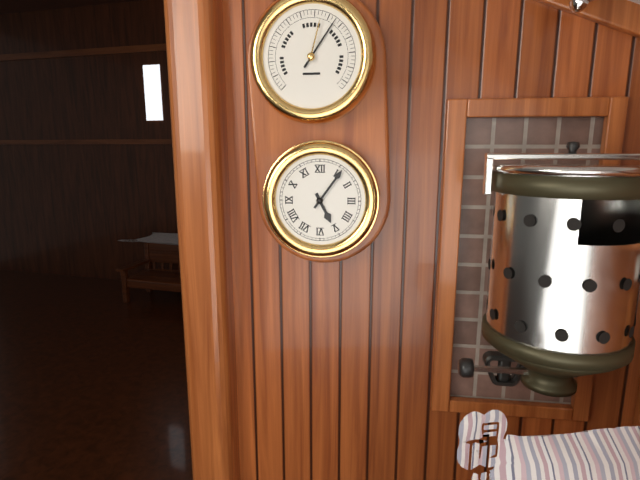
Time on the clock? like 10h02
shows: 5h06
